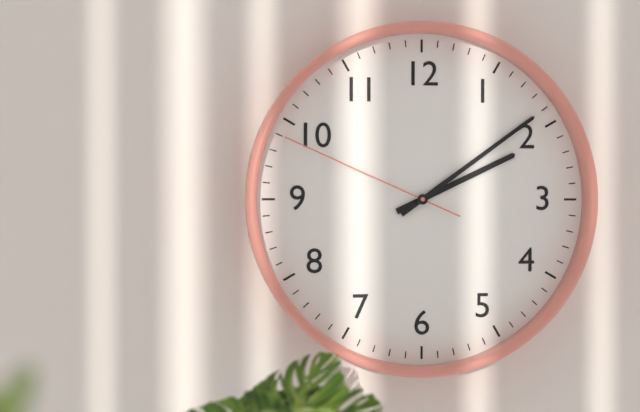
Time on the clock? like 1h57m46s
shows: 2h09m49s
